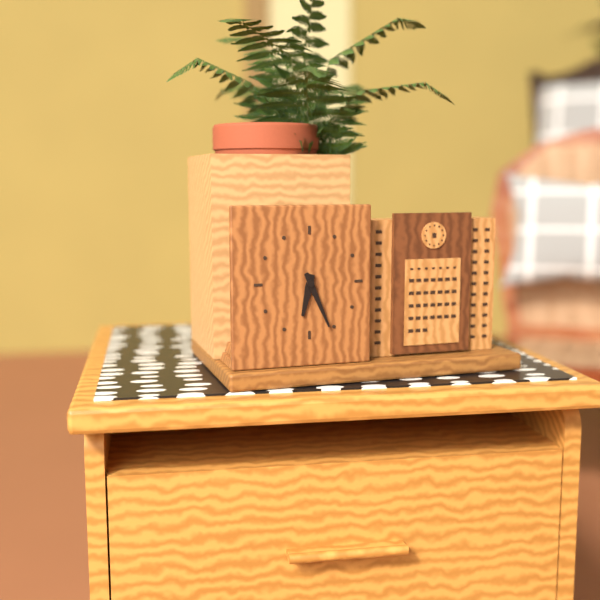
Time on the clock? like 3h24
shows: 6h26
